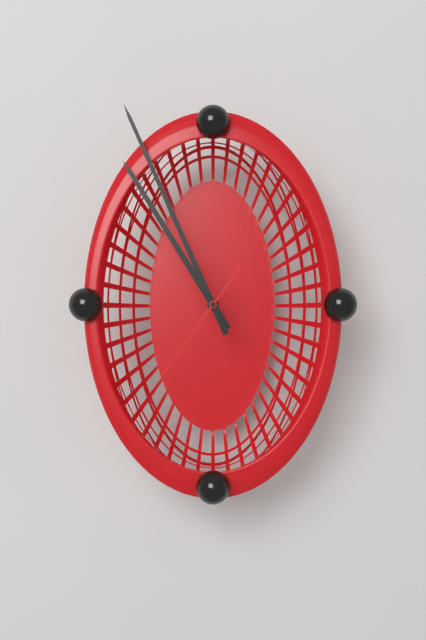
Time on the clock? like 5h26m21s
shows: 10h56m36s
